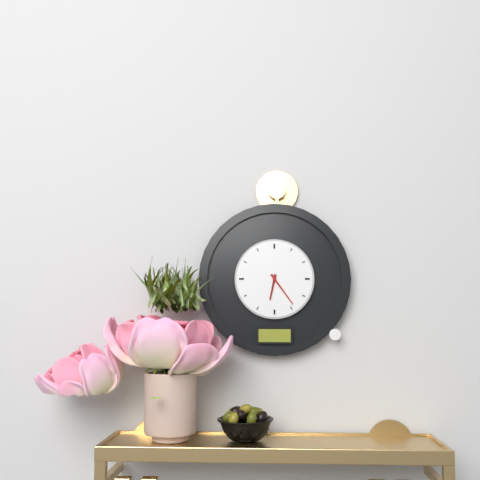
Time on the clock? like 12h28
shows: 6h24
